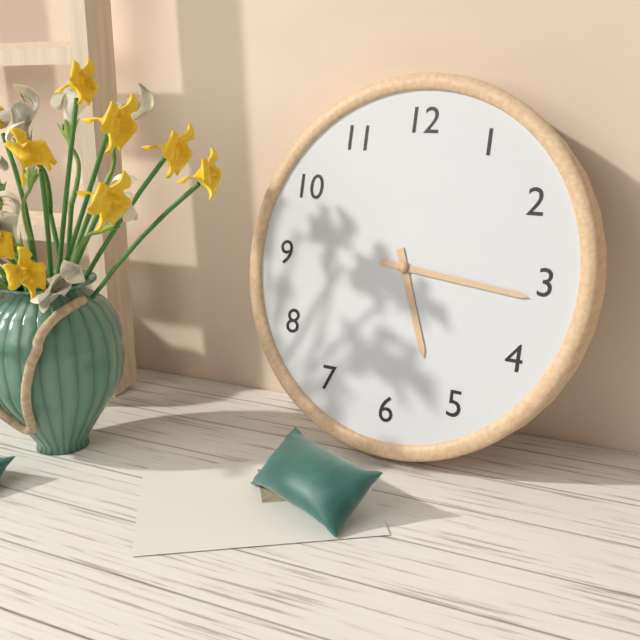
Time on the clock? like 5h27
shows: 5h16
